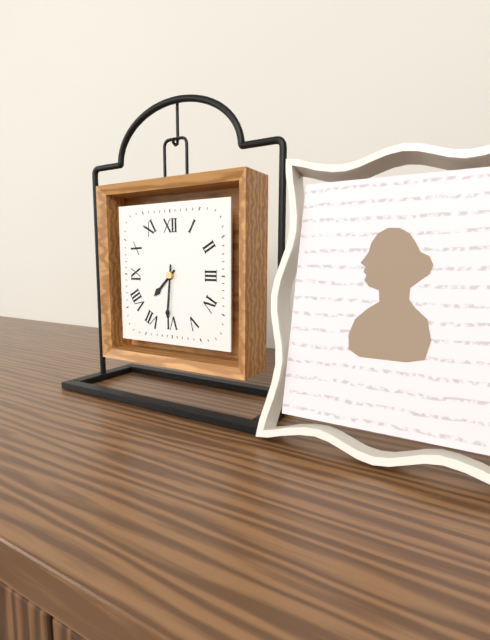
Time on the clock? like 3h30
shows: 7h31
